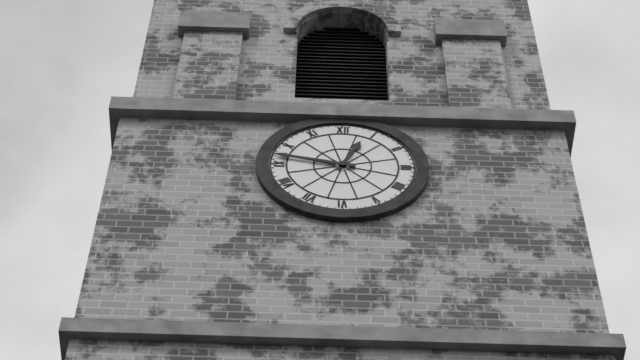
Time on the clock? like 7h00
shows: 12h47
